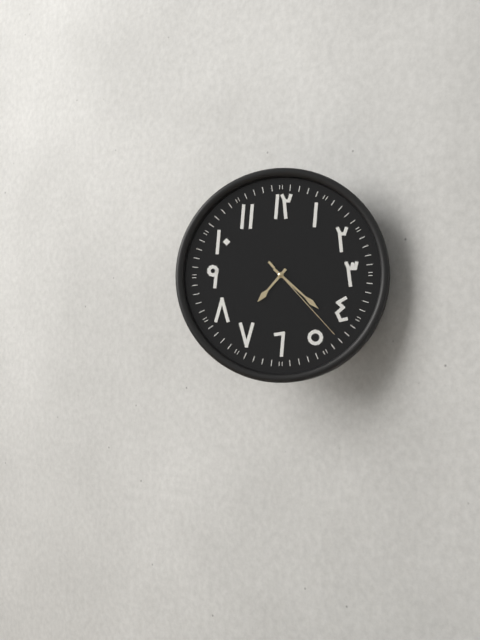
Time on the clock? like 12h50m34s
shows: 7h22m23s
